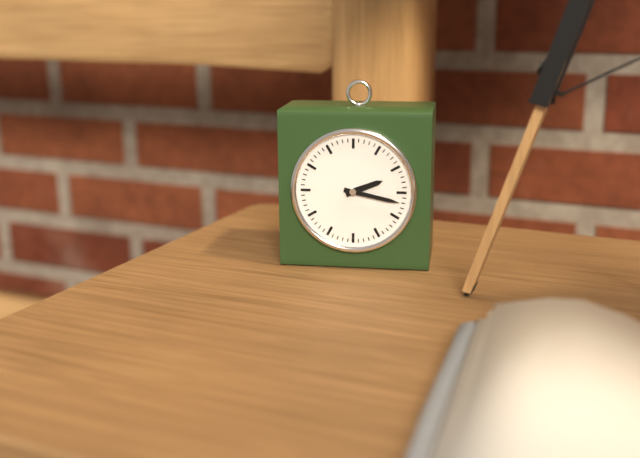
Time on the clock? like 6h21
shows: 2h17
